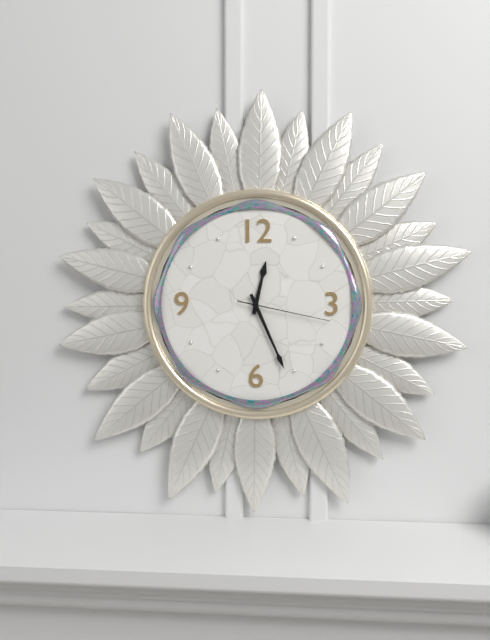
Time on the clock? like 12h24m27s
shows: 12h26m17s
